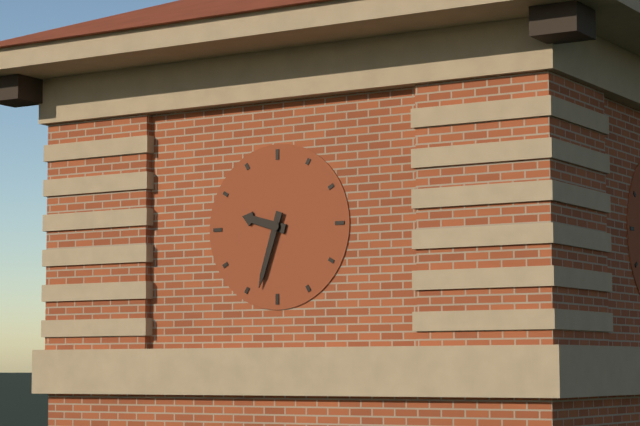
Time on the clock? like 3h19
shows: 9h33
